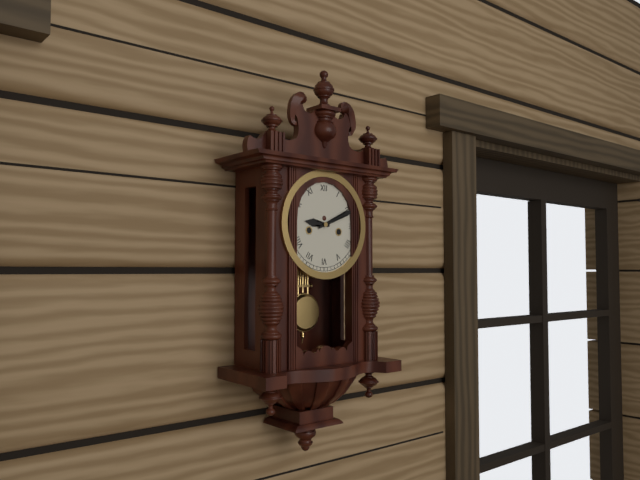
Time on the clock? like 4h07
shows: 9h11
